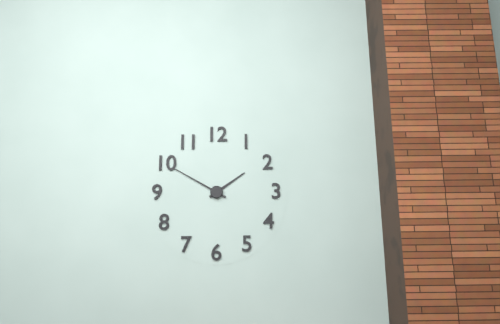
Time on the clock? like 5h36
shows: 1h50
